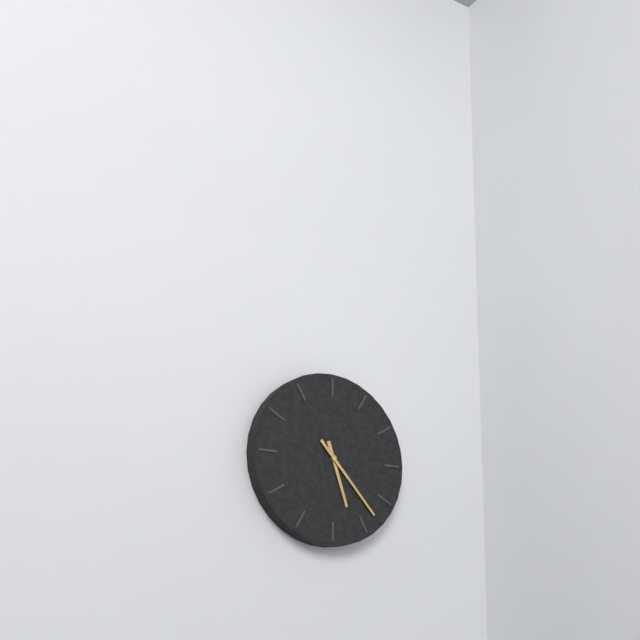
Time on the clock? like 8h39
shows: 5h23
